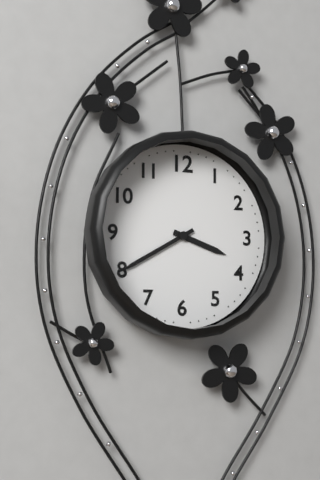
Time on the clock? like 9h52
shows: 3h40
